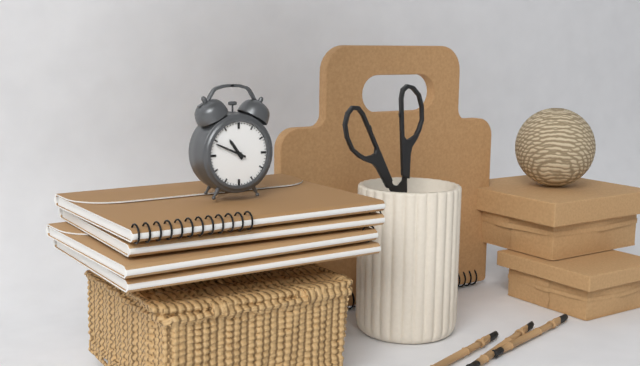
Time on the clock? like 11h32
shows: 10h49
